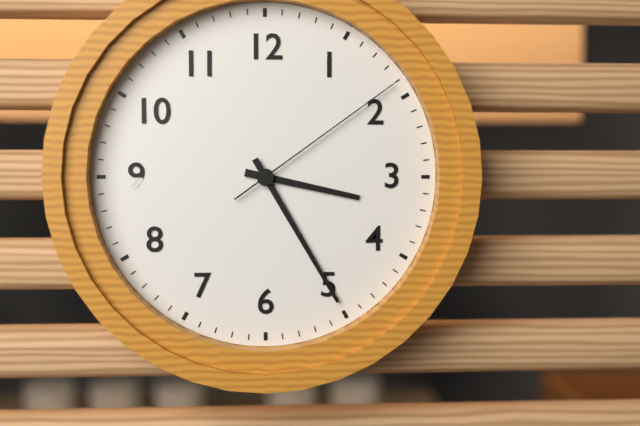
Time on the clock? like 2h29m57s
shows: 3h25m09s
